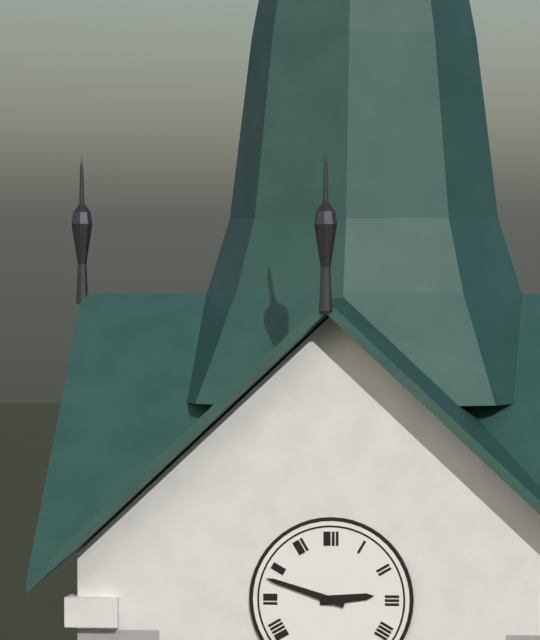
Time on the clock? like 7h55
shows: 2h48
